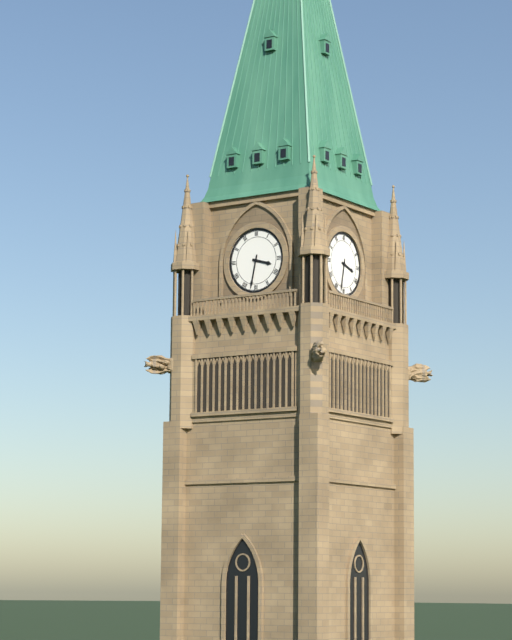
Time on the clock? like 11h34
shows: 3h32
